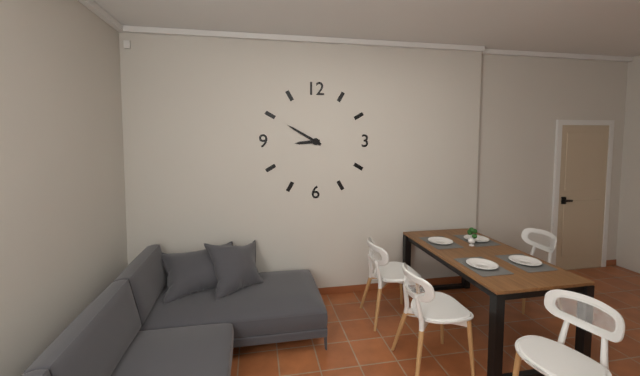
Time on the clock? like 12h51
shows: 8h50
